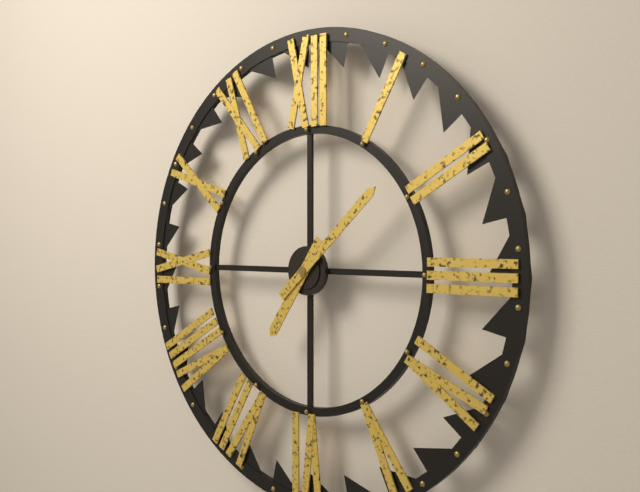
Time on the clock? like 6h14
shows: 7h08
